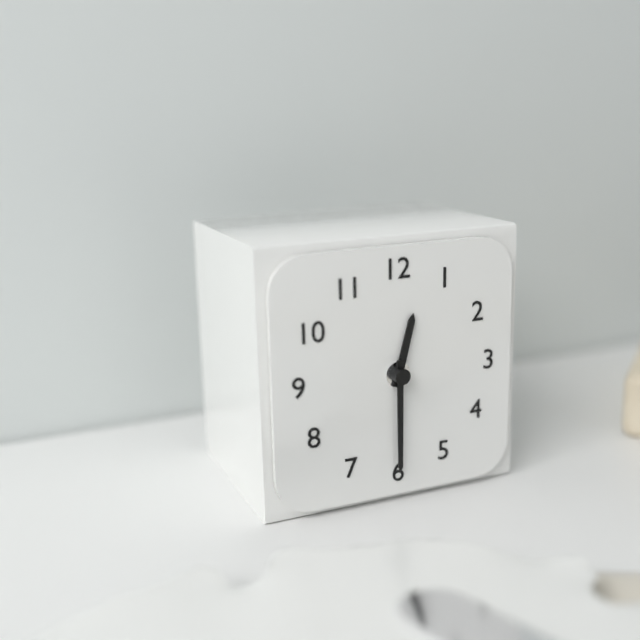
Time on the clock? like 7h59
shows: 12h30
